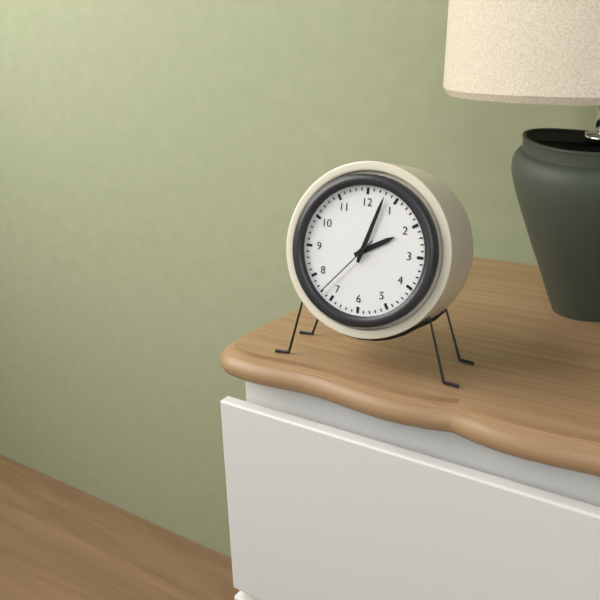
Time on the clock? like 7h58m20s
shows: 2h03m37s
